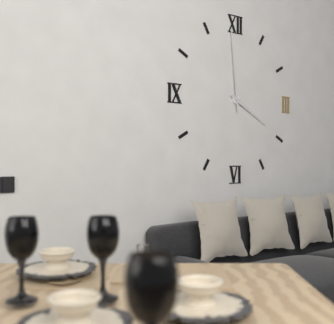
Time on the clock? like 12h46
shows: 3h59
